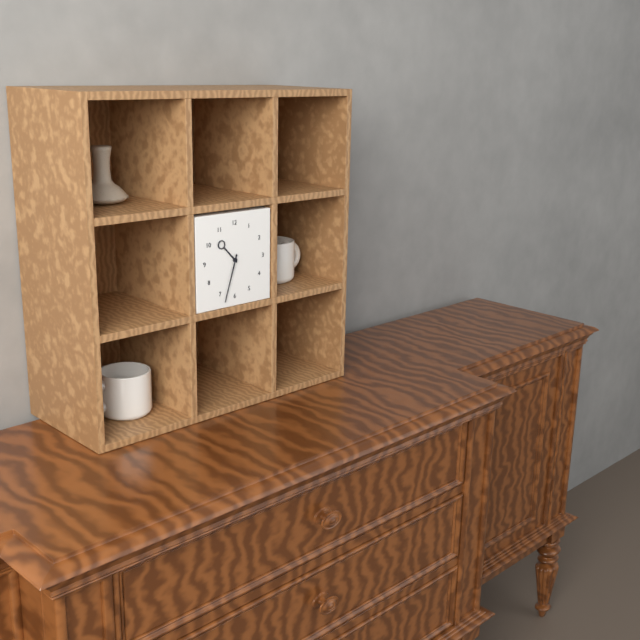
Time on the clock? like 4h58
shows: 10h33
